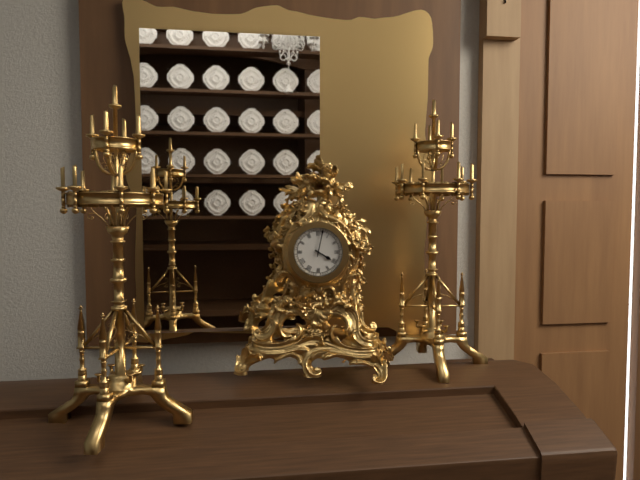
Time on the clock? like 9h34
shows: 4h02
